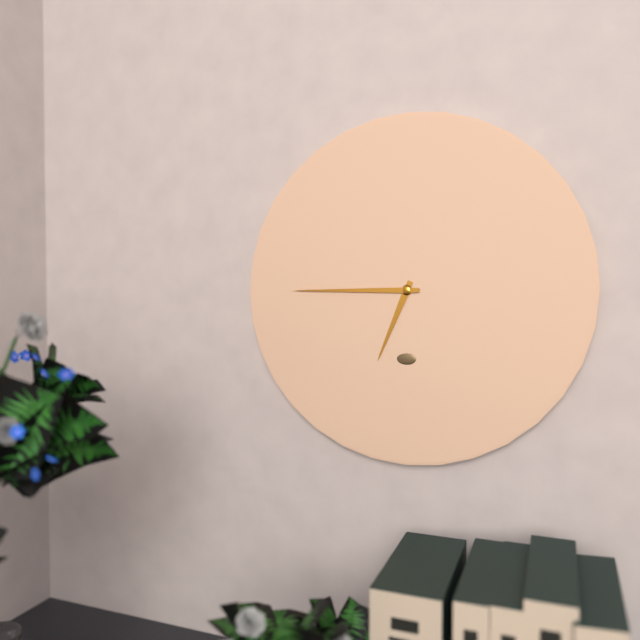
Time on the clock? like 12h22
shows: 6h45
